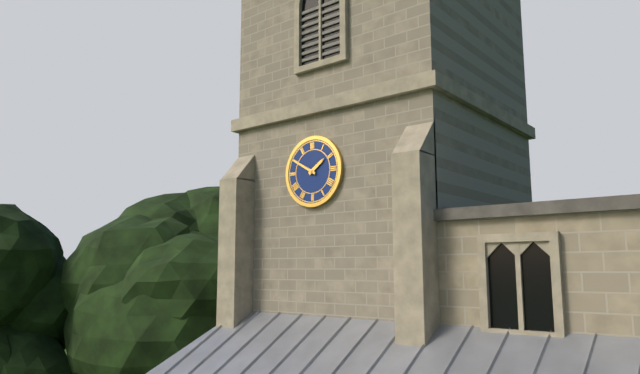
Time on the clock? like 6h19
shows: 1h50
